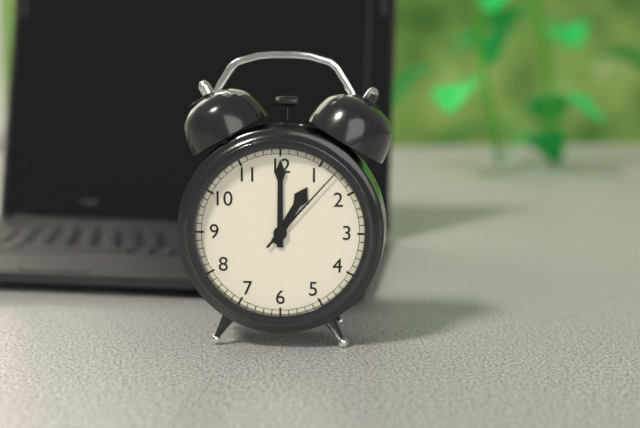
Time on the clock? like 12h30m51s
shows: 1h00m07s
